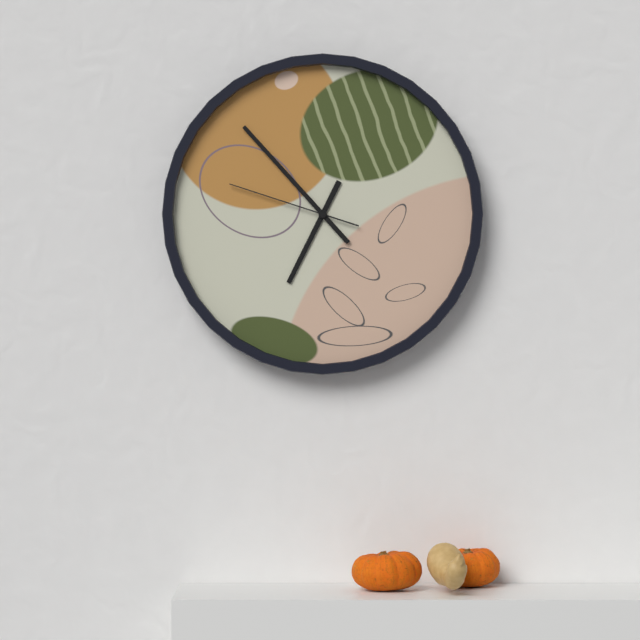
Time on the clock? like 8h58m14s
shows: 6h53m48s
